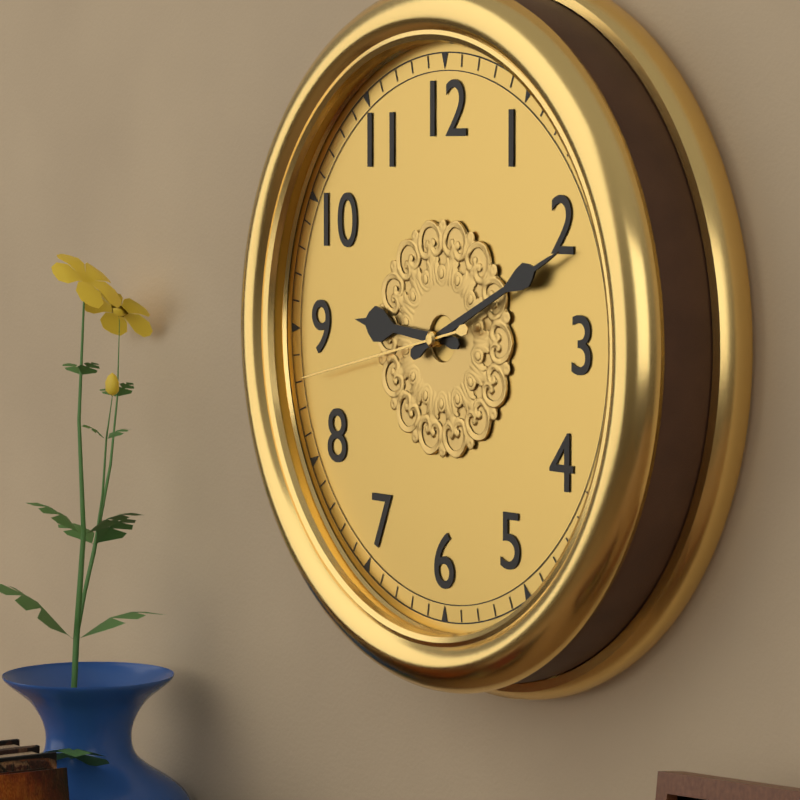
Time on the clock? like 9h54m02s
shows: 9h11m43s
